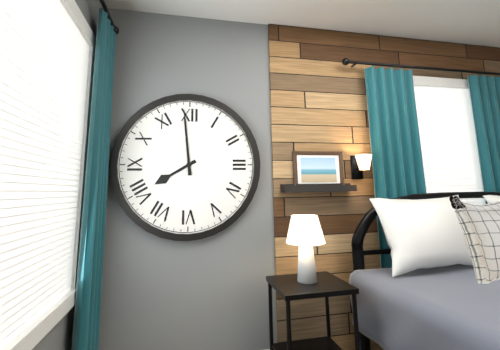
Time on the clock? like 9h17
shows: 7h59
